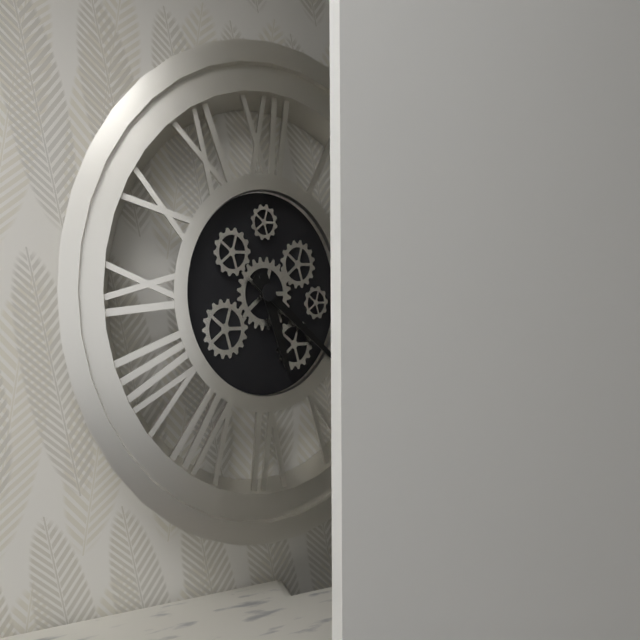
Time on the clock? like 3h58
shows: 5h21
